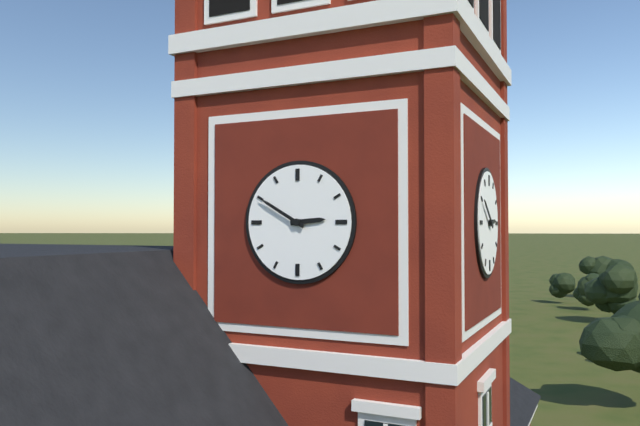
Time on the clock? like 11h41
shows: 2h50
